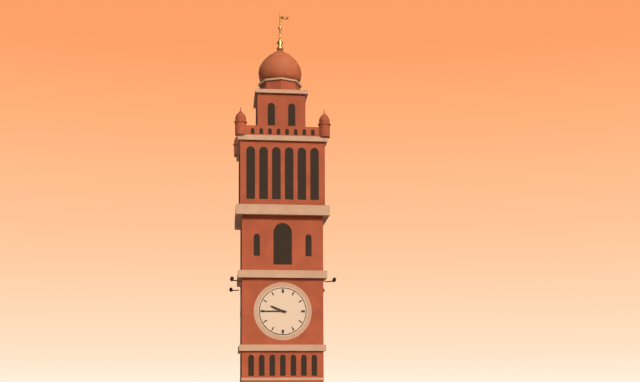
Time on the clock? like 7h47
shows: 9h45
